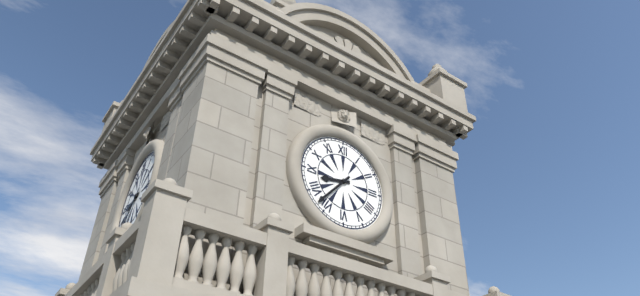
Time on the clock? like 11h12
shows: 8h37
